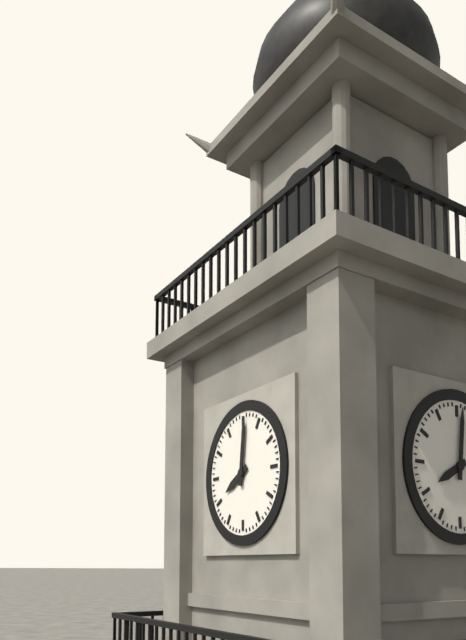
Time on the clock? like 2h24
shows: 8h01
